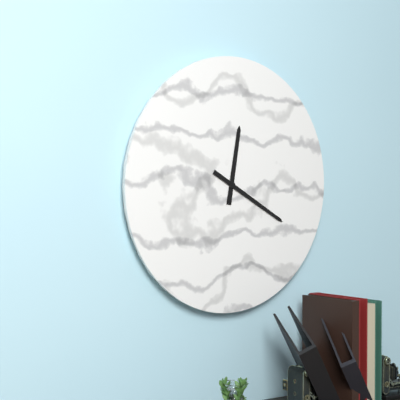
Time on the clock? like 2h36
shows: 12h20
